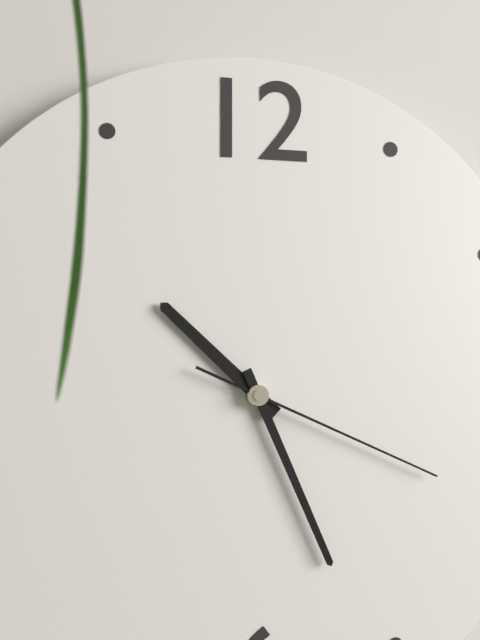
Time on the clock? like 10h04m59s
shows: 10h26m19s
